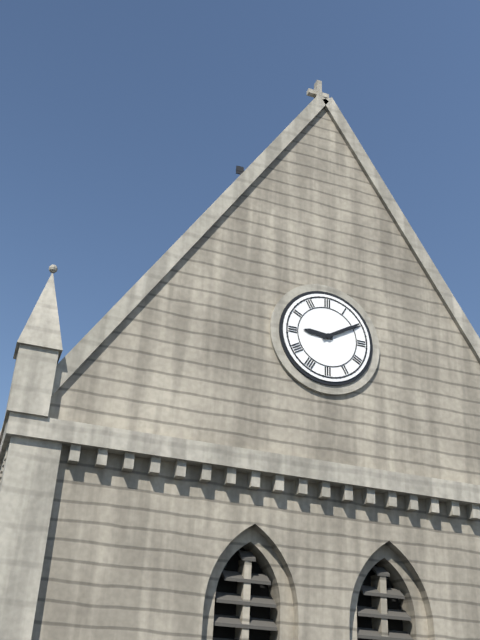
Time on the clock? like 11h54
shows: 9h10
